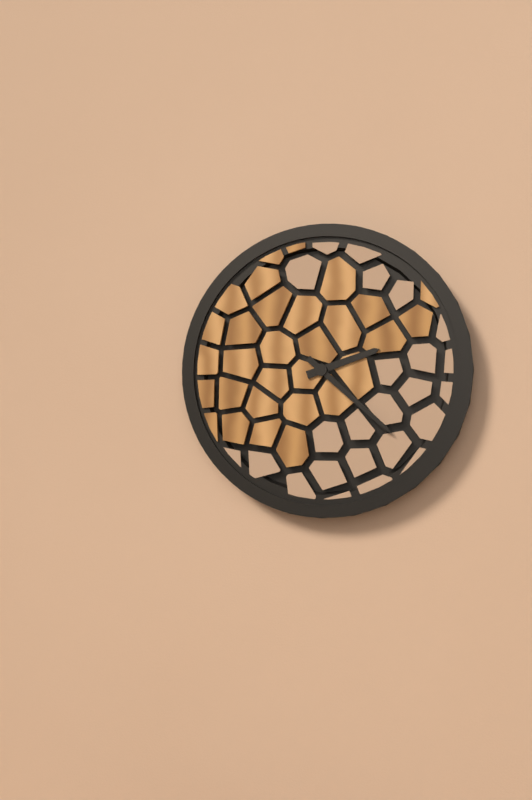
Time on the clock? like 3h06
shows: 2h22
